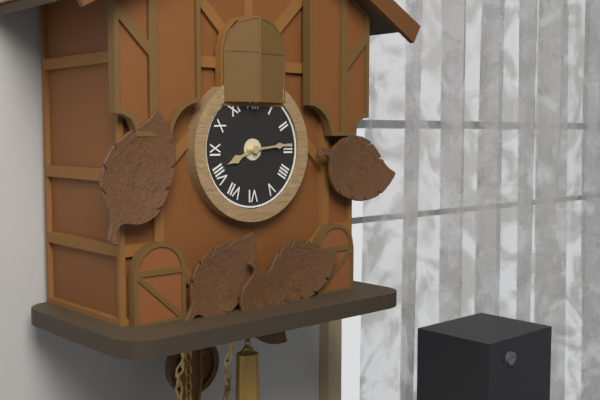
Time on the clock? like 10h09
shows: 8h14
